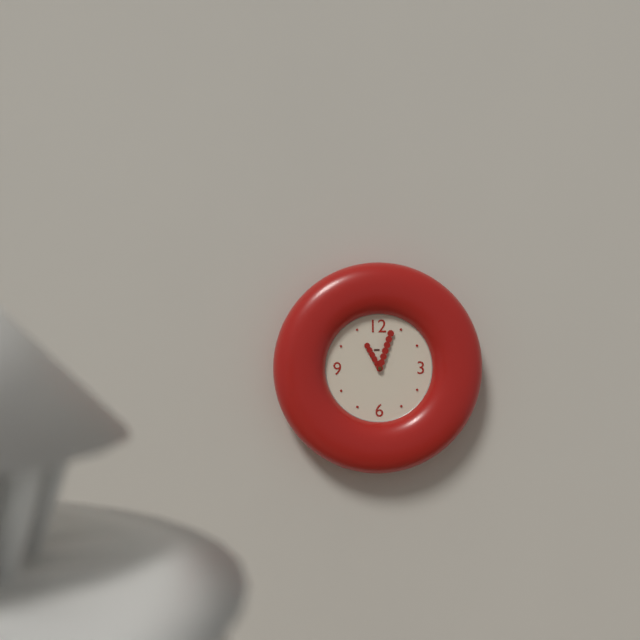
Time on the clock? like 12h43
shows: 11h03
